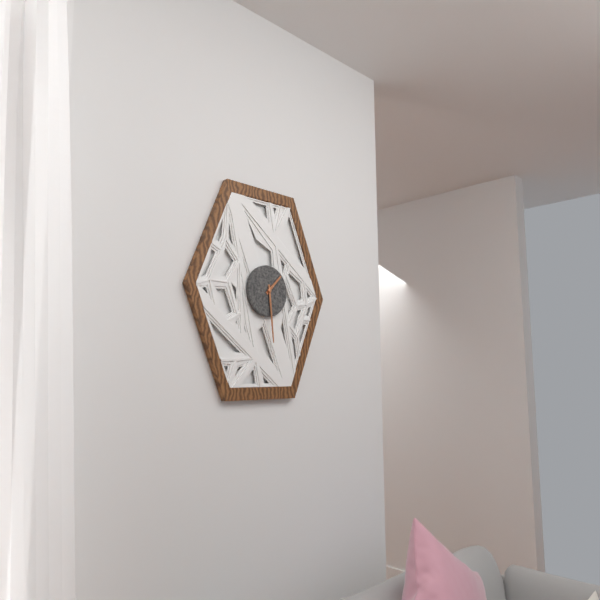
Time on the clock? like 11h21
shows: 1h29
